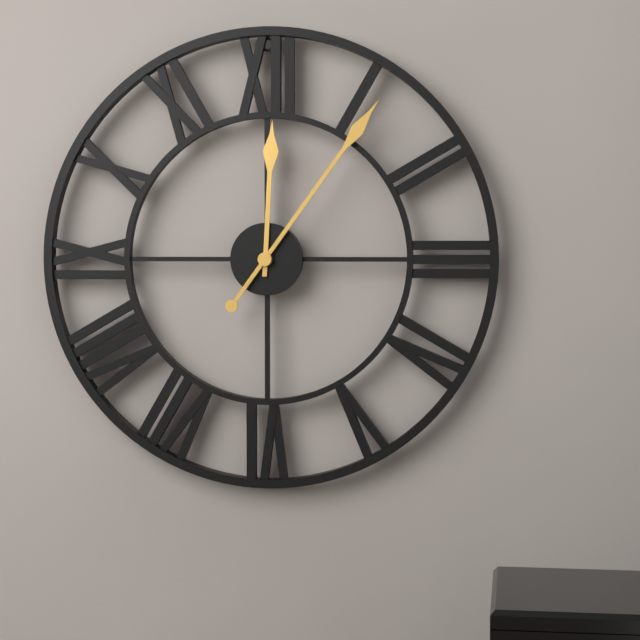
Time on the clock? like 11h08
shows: 12h06
